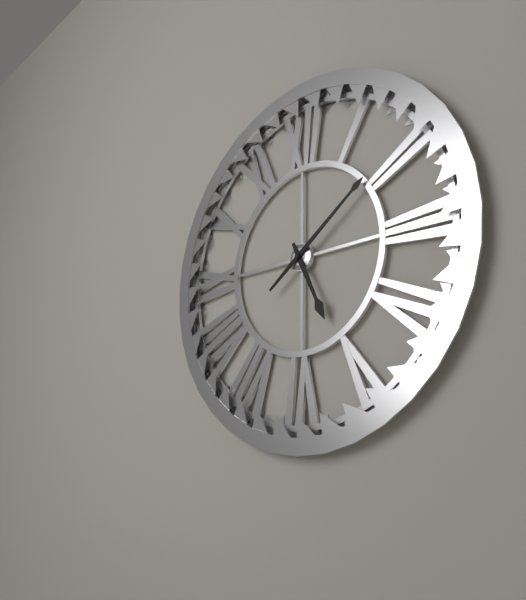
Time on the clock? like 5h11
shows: 5h09
